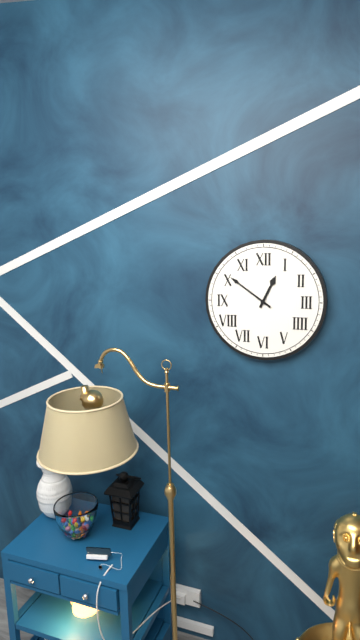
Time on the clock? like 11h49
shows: 12h51
